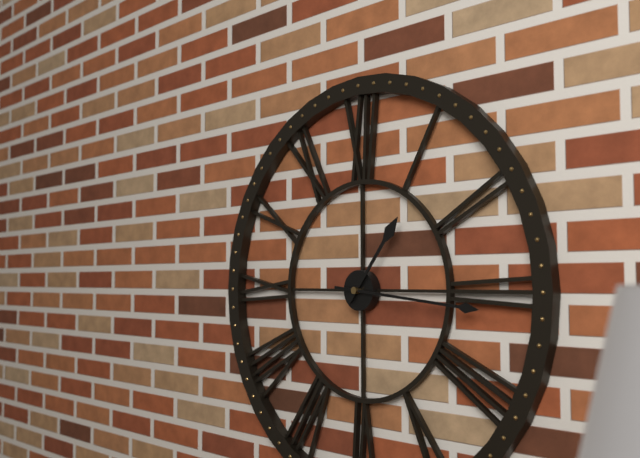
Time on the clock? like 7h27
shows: 1h16
